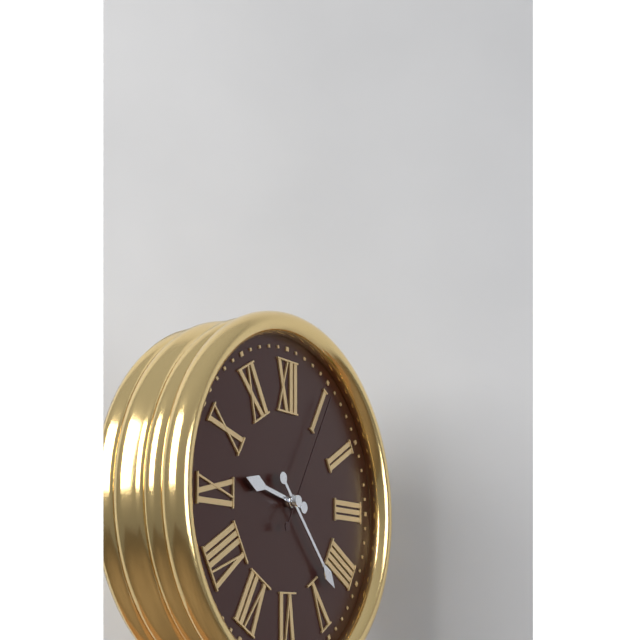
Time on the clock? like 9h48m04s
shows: 9h23m05s
